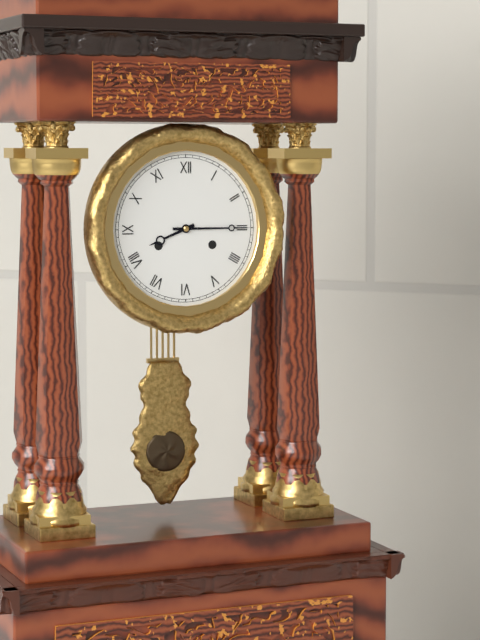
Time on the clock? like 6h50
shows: 8h15
